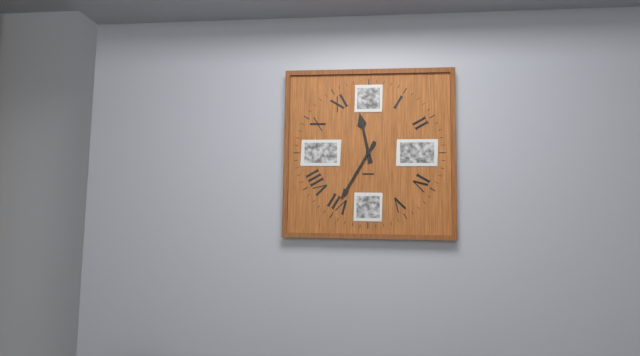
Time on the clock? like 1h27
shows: 11h35
